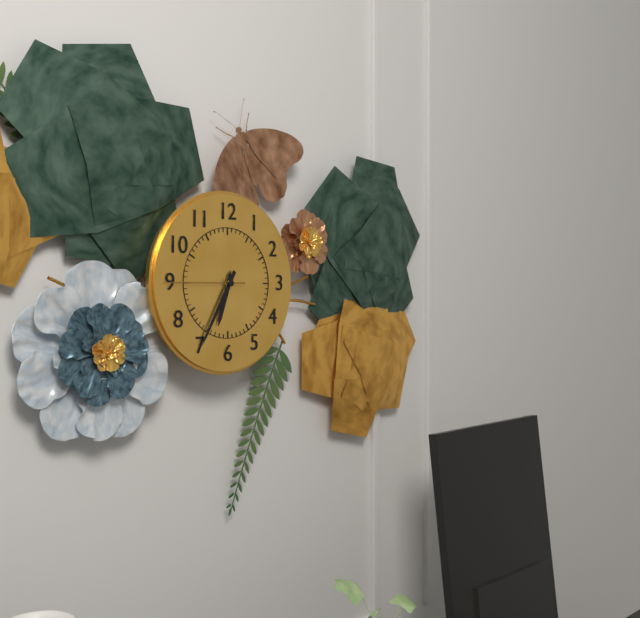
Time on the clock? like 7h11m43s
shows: 6h35m45s
